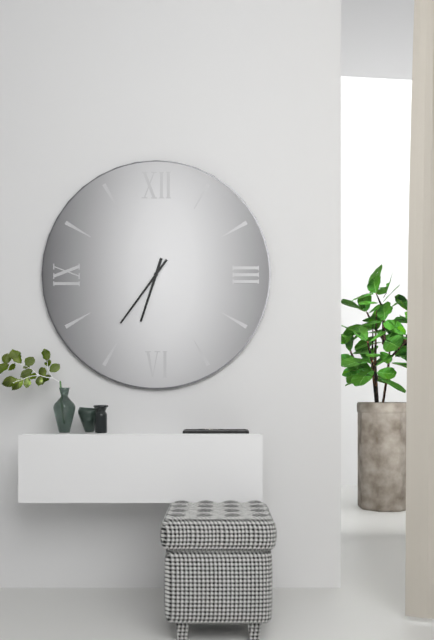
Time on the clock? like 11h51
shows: 6h36
